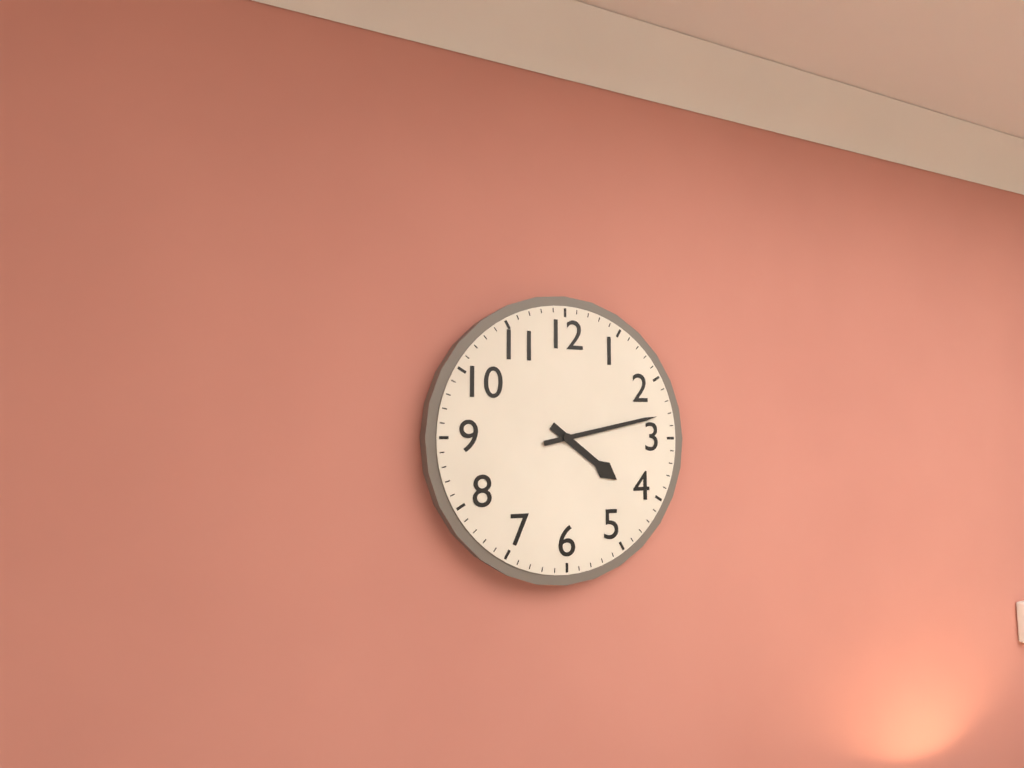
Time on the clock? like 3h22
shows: 4h13
